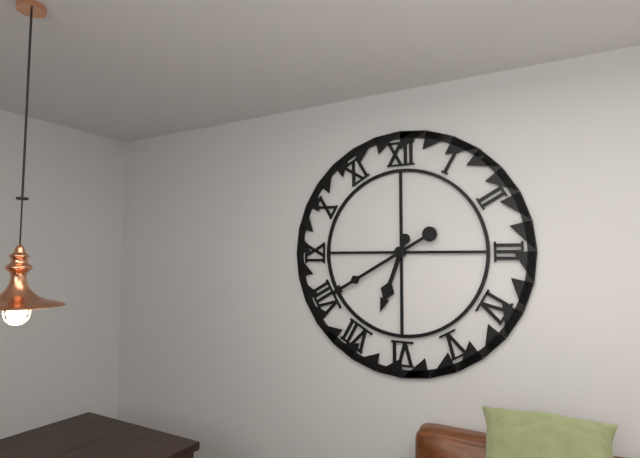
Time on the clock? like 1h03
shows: 6h40
